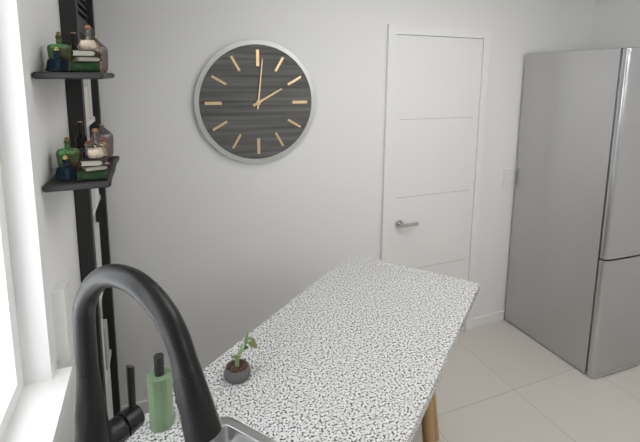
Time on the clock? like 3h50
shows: 2h01
